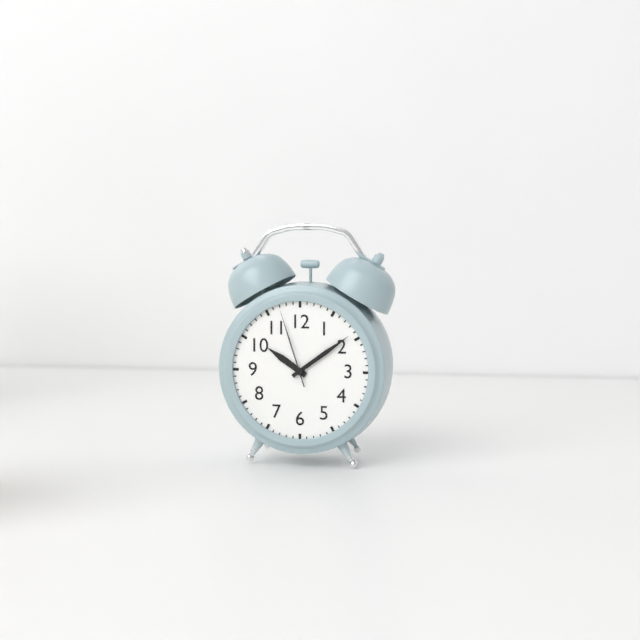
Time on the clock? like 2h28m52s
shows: 10h09m57s
